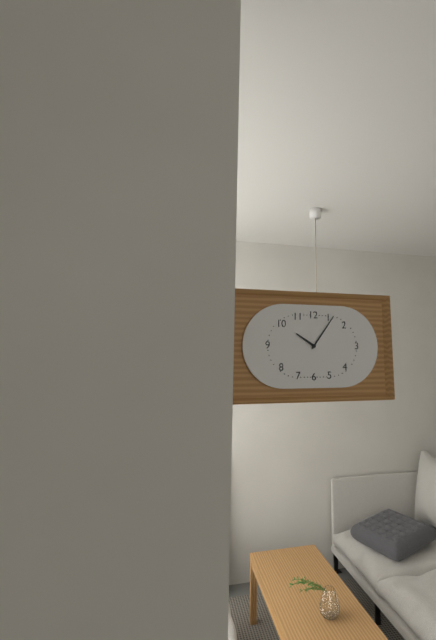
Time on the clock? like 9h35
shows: 10h06
